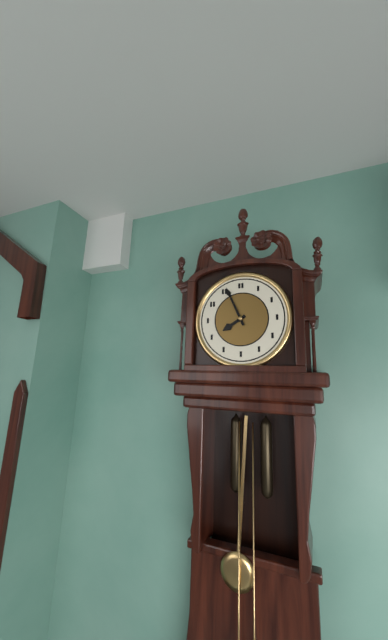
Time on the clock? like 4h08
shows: 7h56
